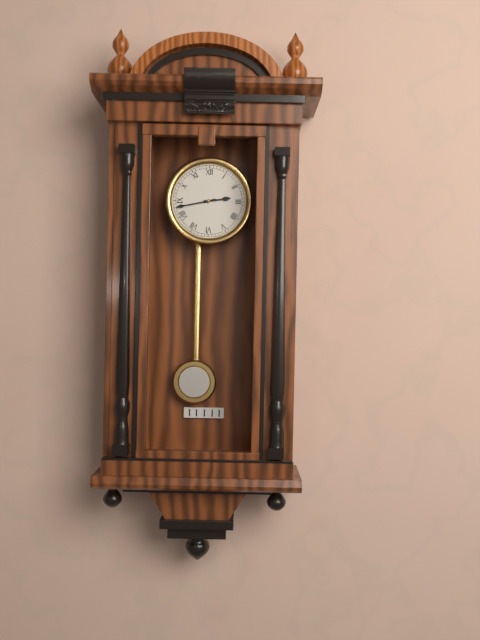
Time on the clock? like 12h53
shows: 2h43
